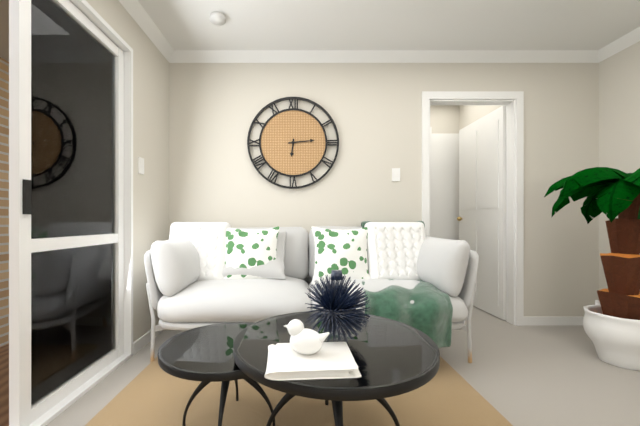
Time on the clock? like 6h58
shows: 6h14
